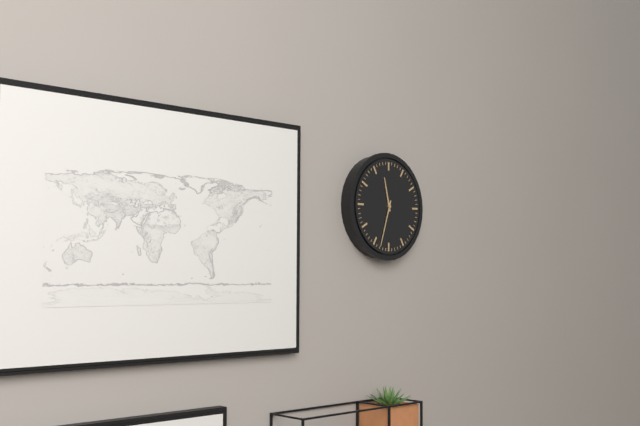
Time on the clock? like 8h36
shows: 11h33
